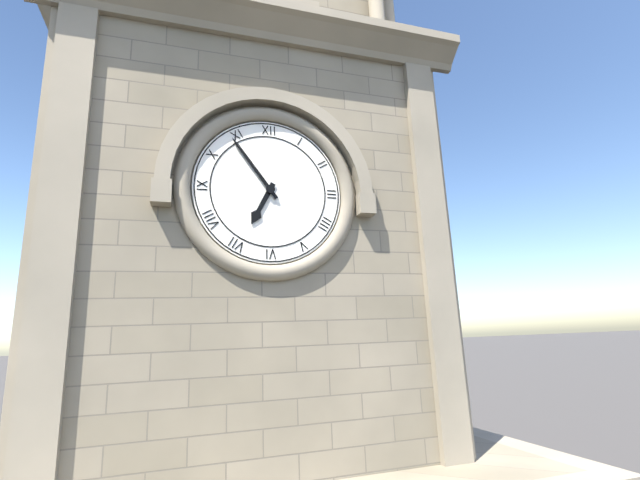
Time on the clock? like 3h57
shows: 6h54
